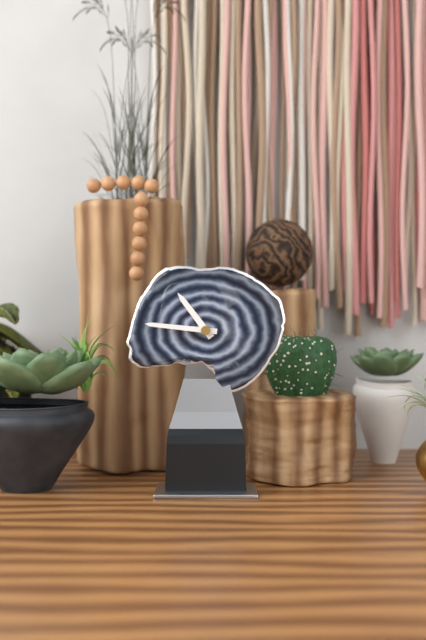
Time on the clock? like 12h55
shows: 10h46
